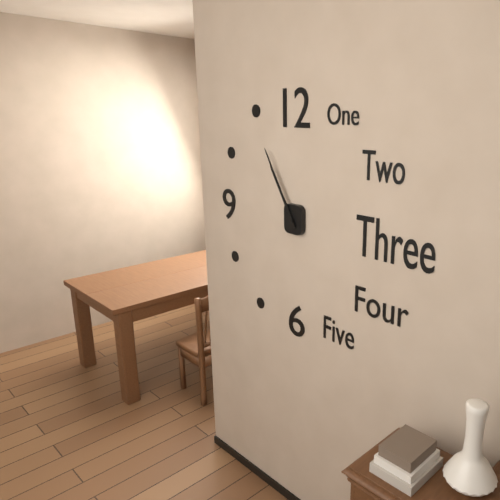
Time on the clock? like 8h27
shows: 10h55
